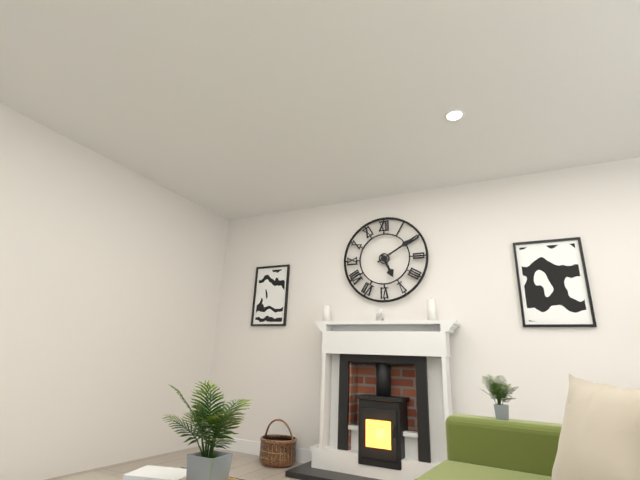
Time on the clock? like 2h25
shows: 5h10
